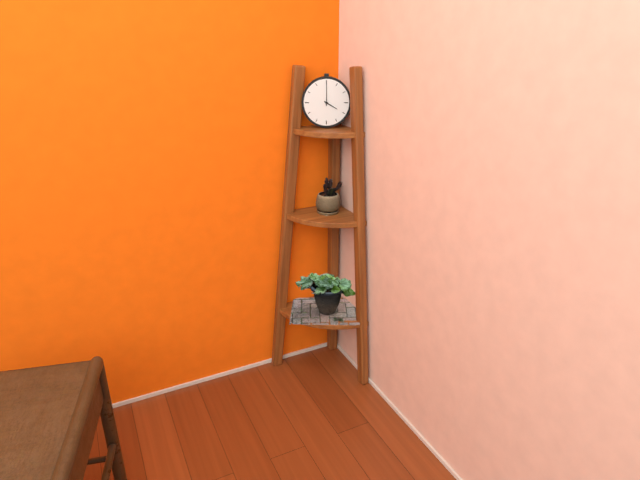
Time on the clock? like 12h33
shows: 4h00
